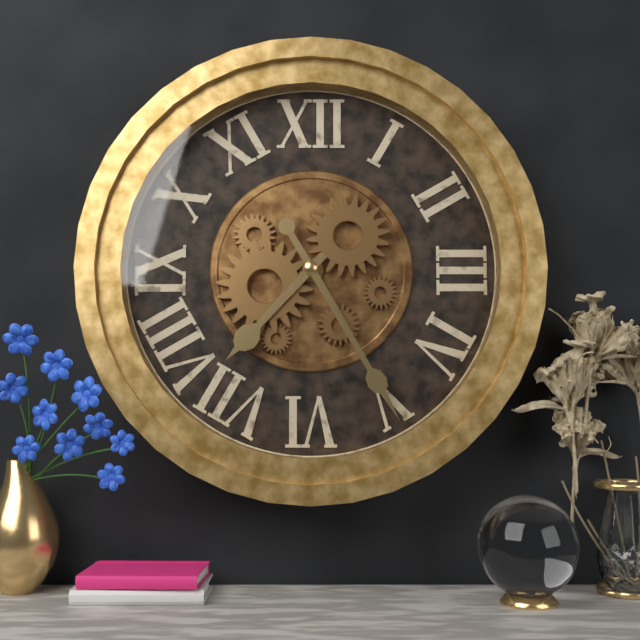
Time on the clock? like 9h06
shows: 7h25
